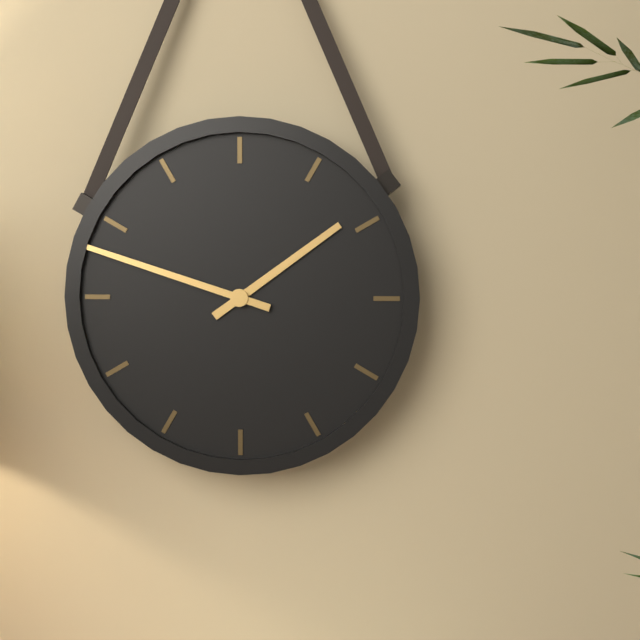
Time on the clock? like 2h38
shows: 1h48
